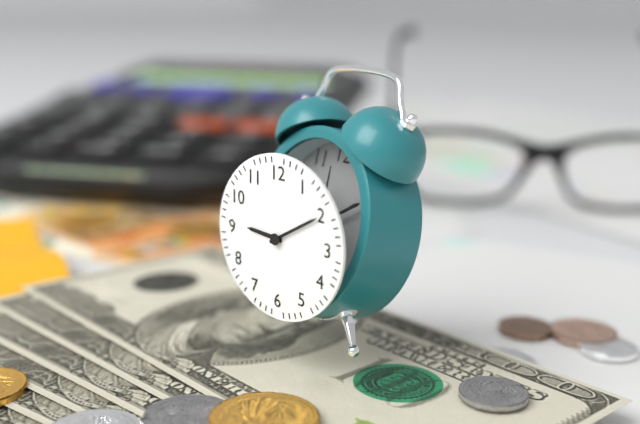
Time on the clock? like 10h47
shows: 9h10
